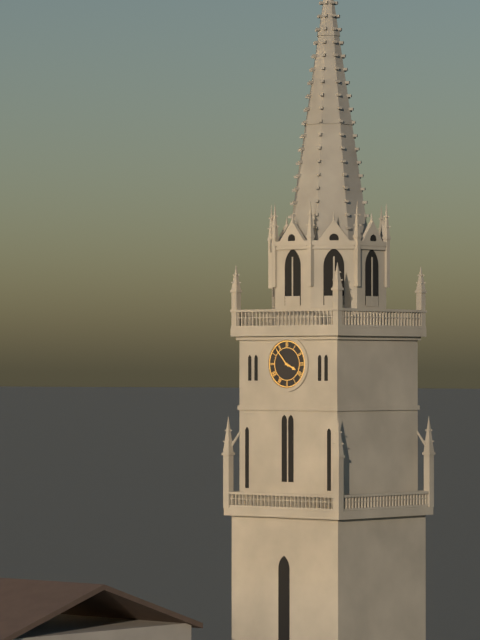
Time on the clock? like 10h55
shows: 3h53
